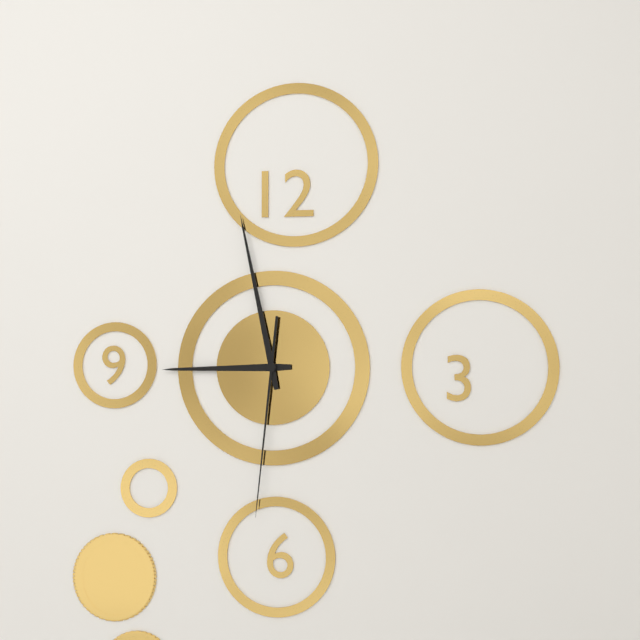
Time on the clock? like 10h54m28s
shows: 8h58m31s
